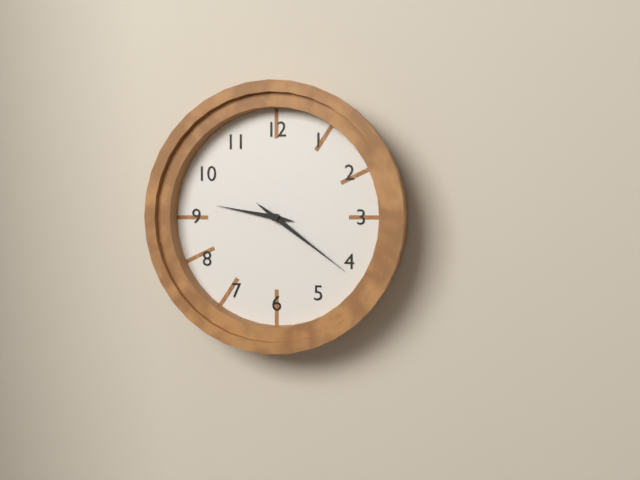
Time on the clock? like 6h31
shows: 9h21
